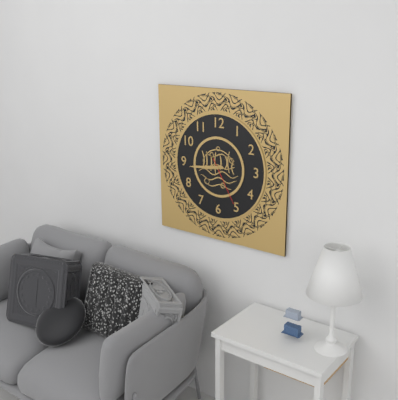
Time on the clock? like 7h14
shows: 8h44
